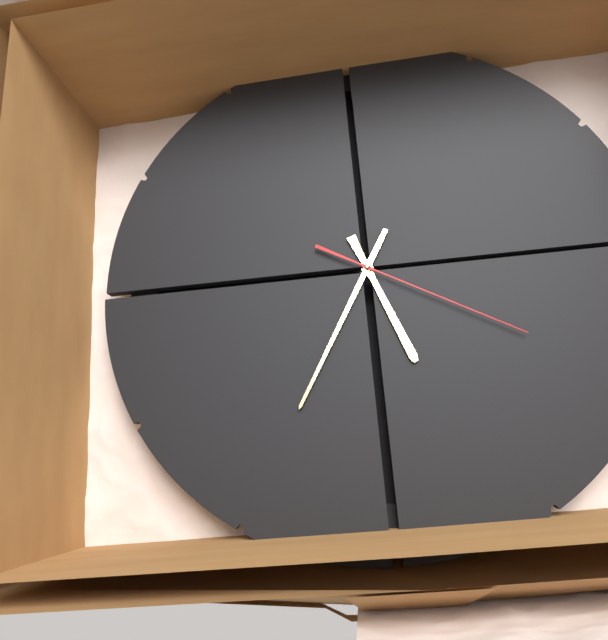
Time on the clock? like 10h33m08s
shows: 2h20m05s
